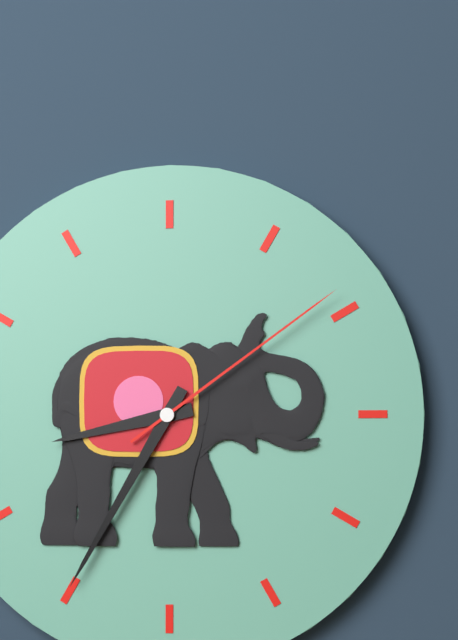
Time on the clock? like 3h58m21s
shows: 8h35m09s
